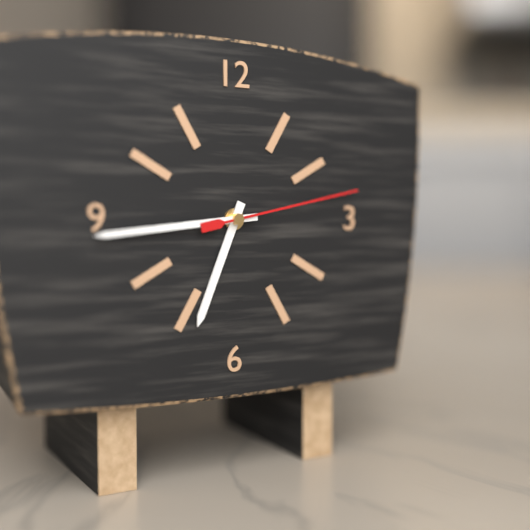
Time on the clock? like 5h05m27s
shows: 6h44m13s
